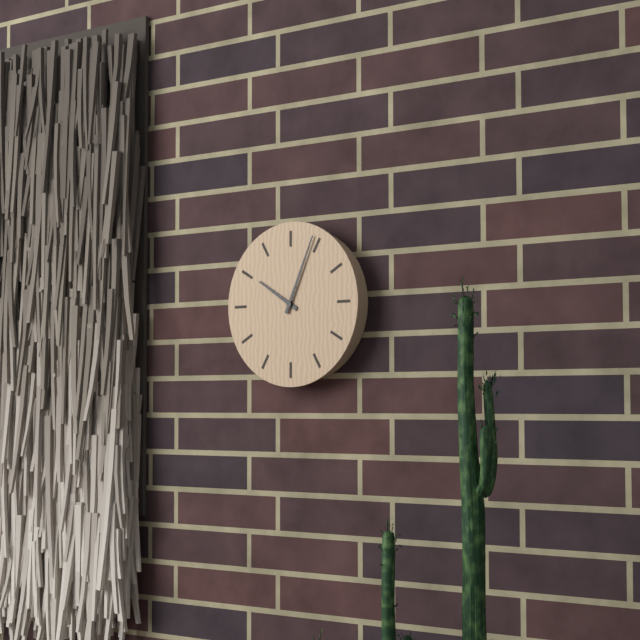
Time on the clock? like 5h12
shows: 10h04
